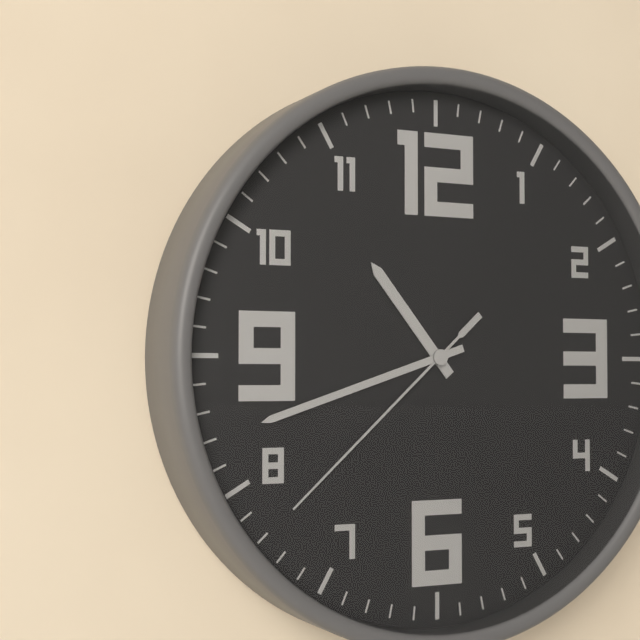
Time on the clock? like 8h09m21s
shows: 10h42m38s
